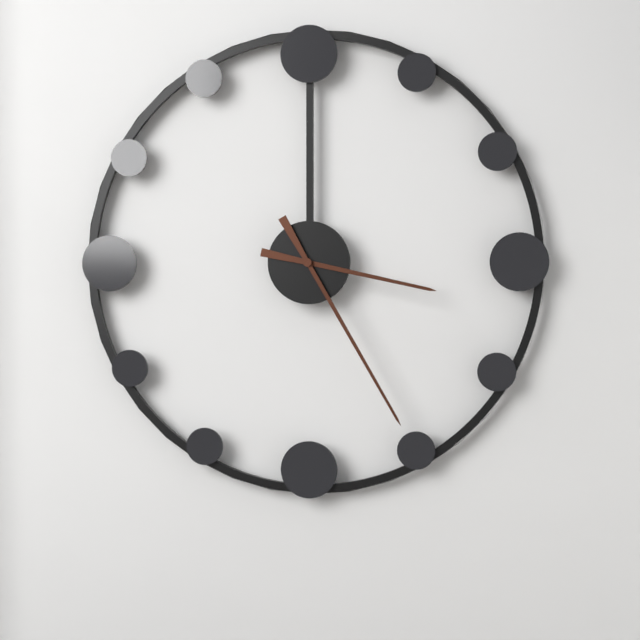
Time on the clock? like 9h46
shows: 3h25
